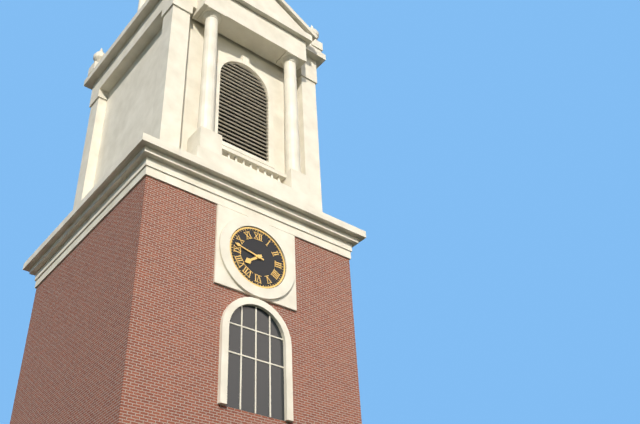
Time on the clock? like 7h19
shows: 7h47
